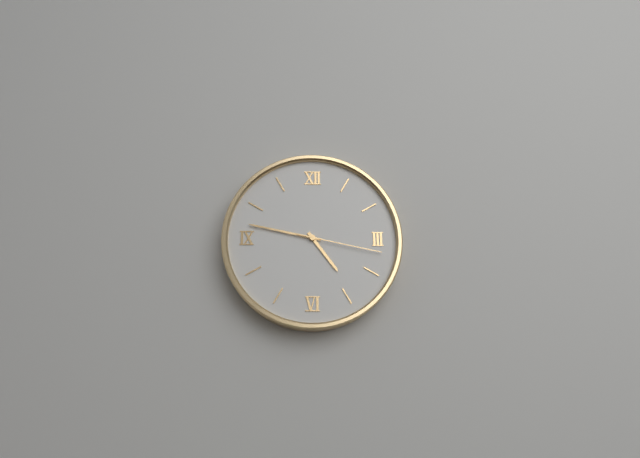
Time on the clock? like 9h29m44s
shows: 4h47m17s
